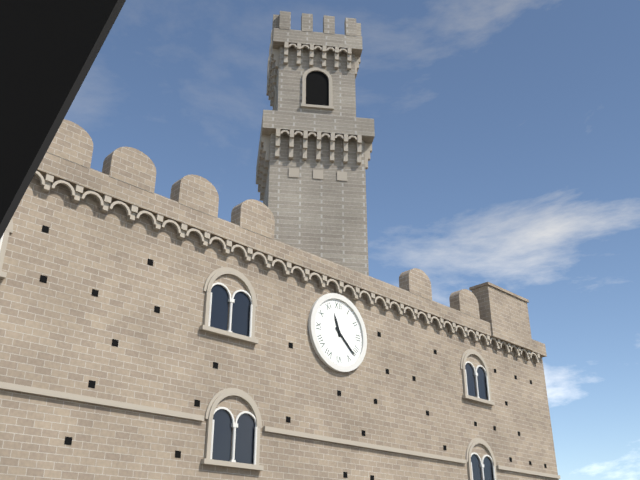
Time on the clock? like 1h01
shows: 11h22
